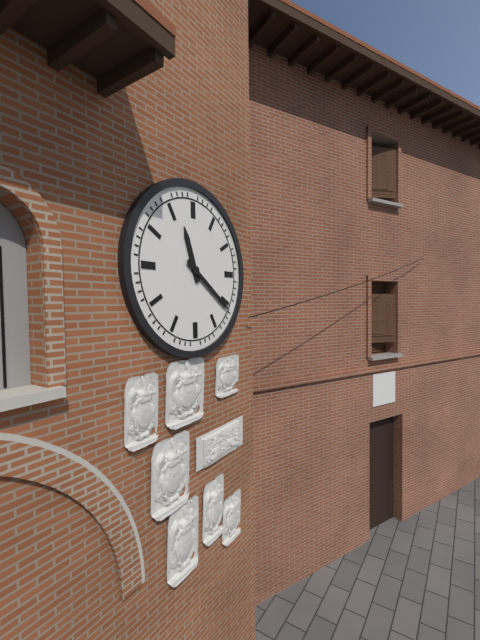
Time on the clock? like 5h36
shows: 11h21
